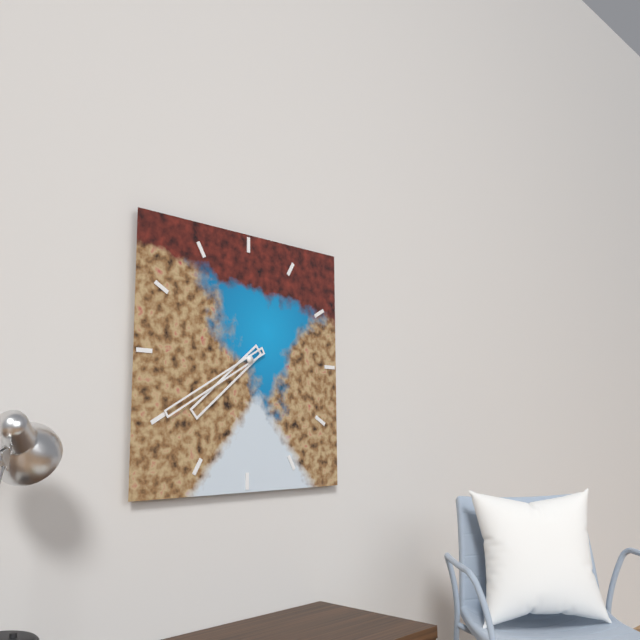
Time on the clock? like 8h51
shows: 7h40
